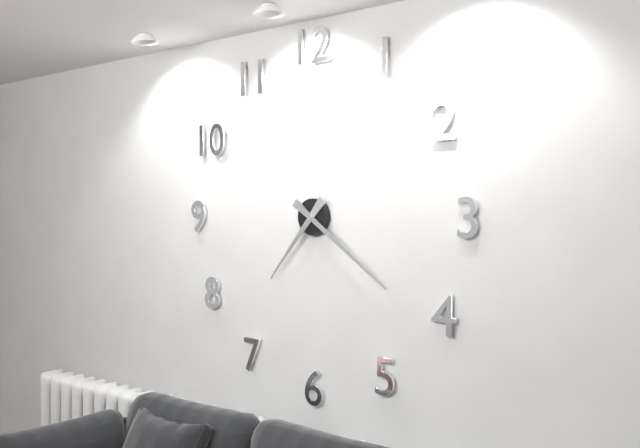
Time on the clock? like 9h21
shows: 7h21
